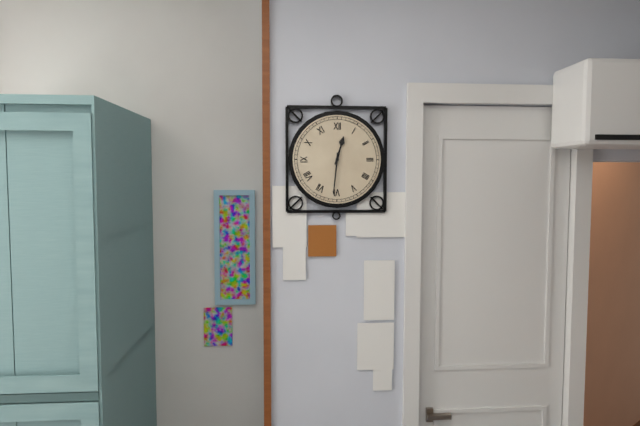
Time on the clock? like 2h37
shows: 12h31
